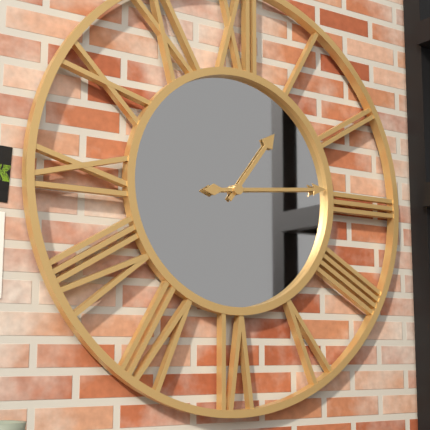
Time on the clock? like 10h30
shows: 1h14
